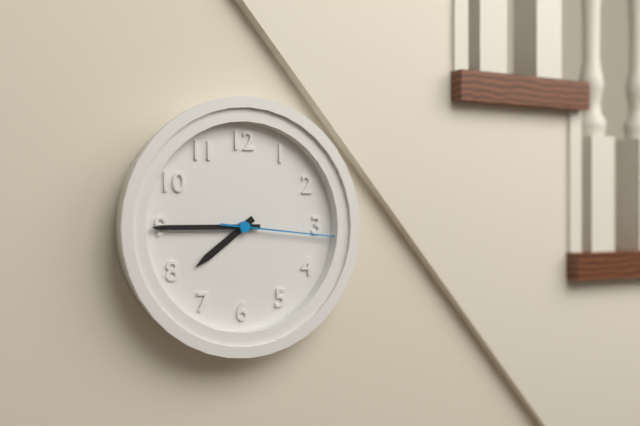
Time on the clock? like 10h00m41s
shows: 7h45m16s
